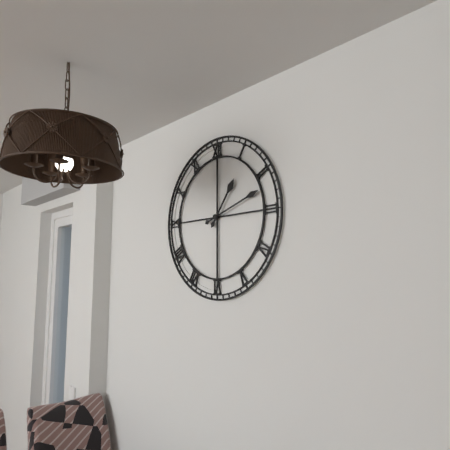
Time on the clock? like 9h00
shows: 1h12
